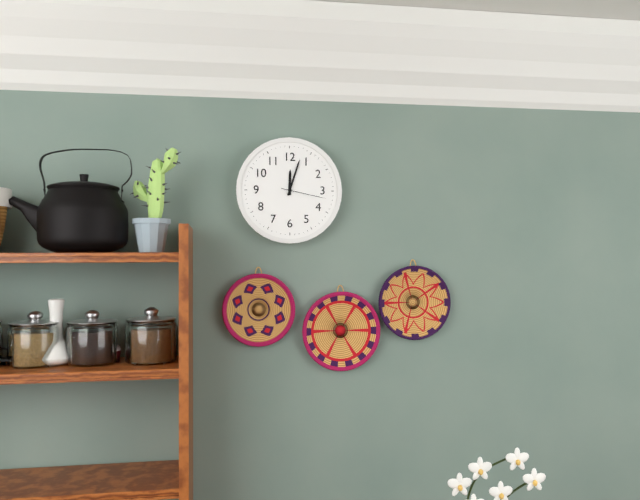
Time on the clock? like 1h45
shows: 12h03
